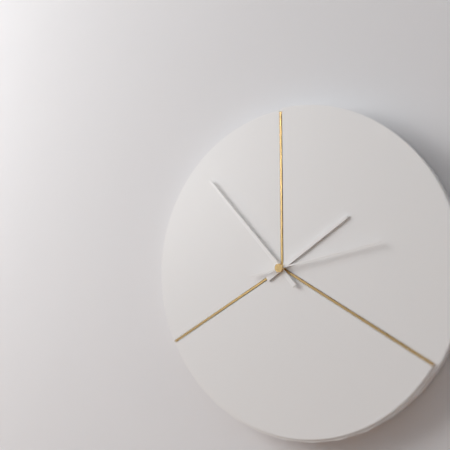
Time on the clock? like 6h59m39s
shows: 1h53m13s
